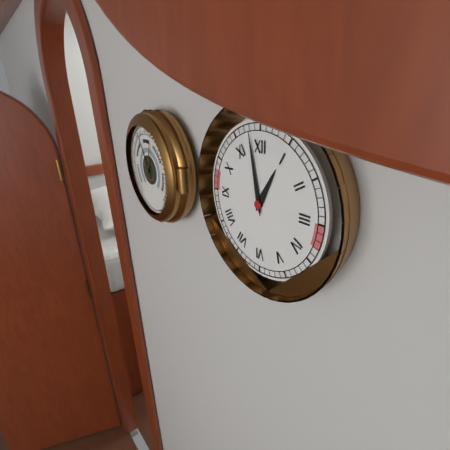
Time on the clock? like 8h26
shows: 12h58
